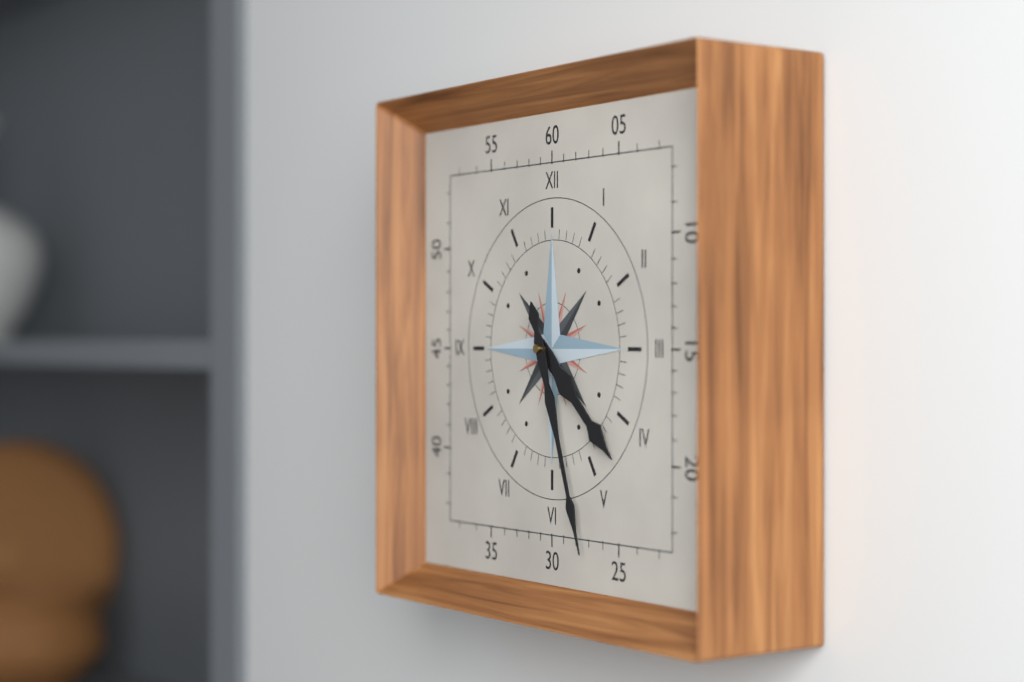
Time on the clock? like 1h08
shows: 4h27
